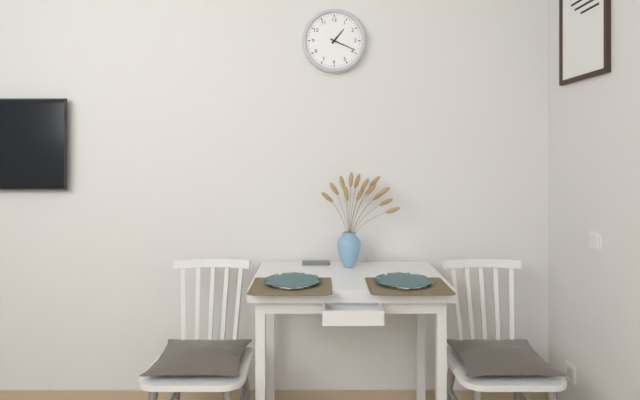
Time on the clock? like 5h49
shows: 1h19
